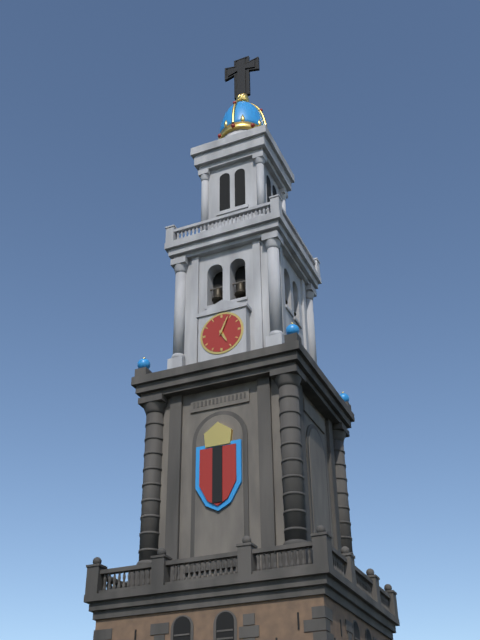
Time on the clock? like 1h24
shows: 5h04
